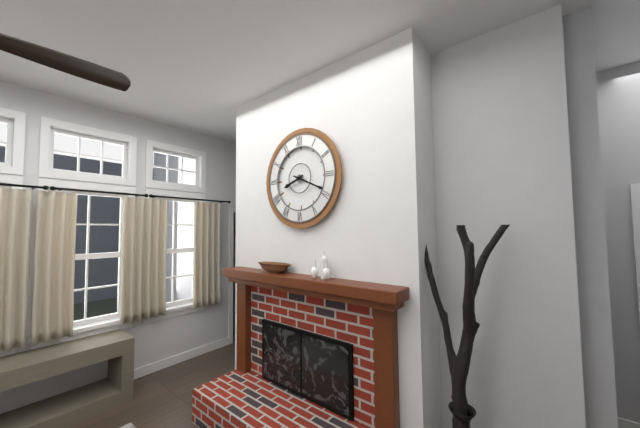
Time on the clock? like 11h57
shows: 8h19
